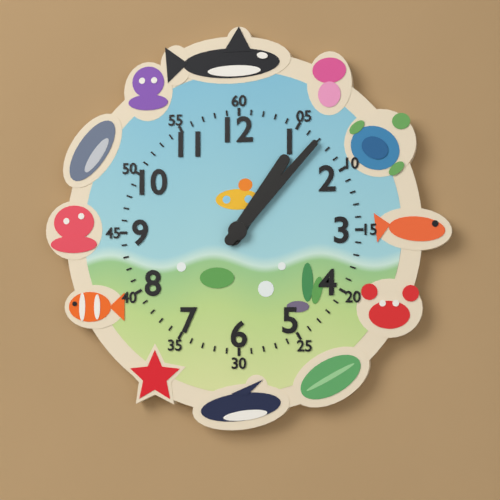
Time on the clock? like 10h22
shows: 1h07
